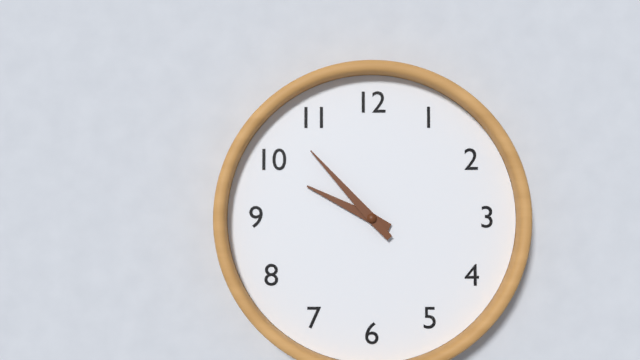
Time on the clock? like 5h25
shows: 9h53
